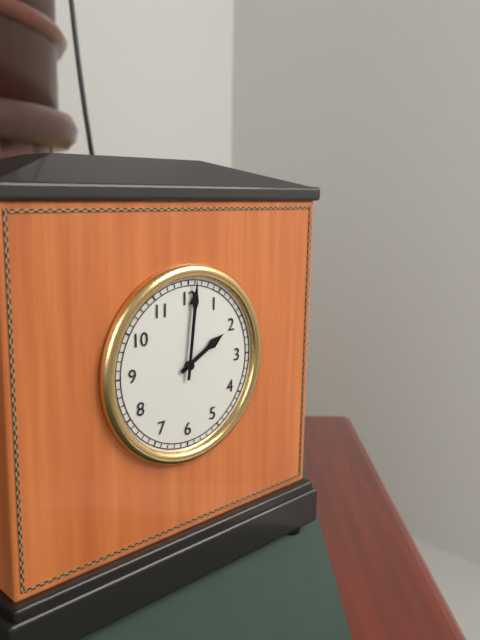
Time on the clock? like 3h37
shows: 2h01
